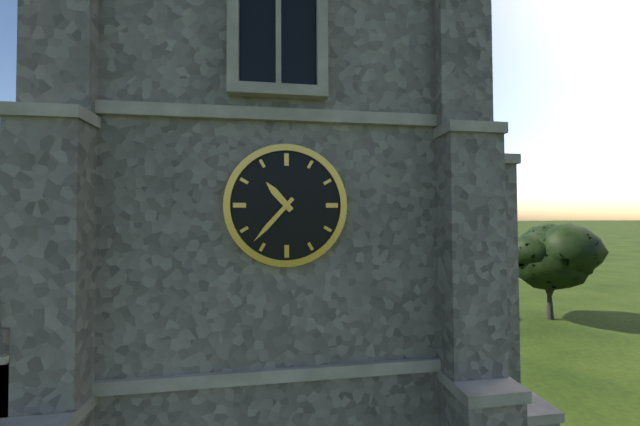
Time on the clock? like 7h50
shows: 10h37
